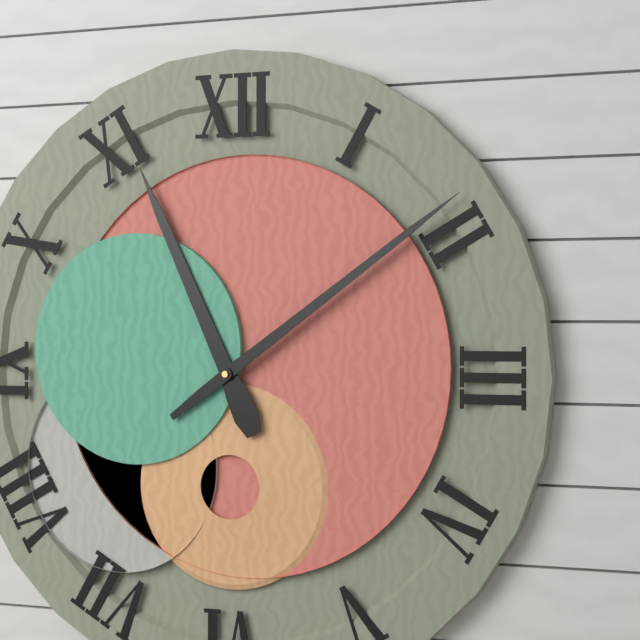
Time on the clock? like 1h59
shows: 11h09
